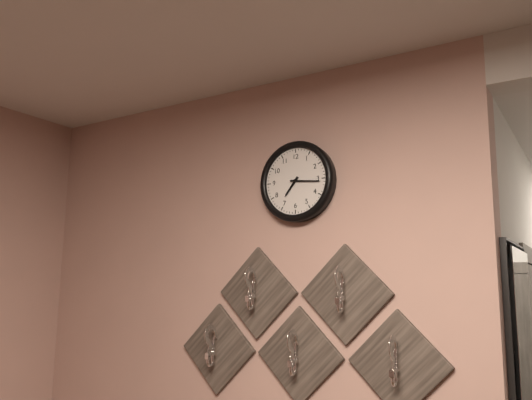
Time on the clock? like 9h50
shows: 7h16
